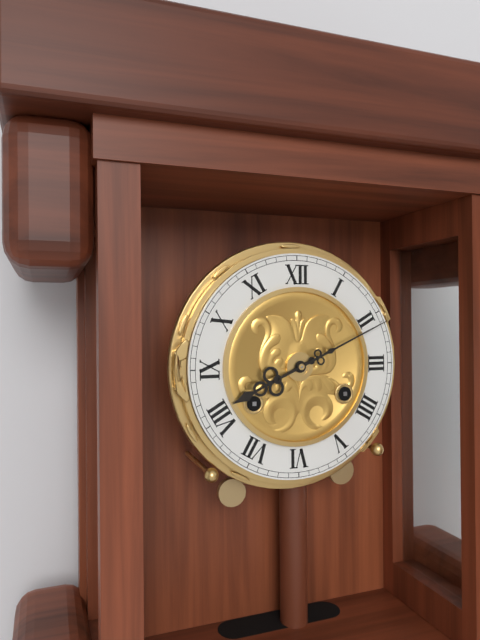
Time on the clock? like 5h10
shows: 8h11
